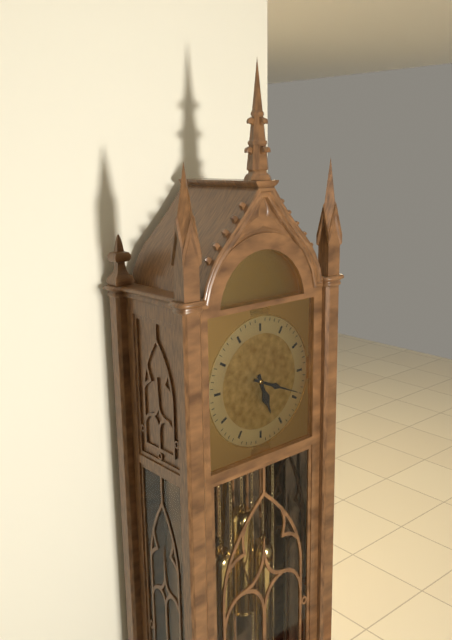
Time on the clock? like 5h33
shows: 5h19
